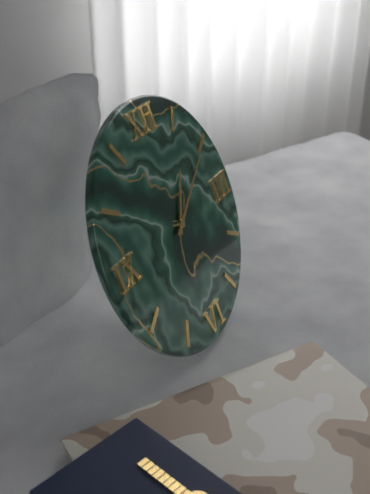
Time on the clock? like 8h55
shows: 1h10
